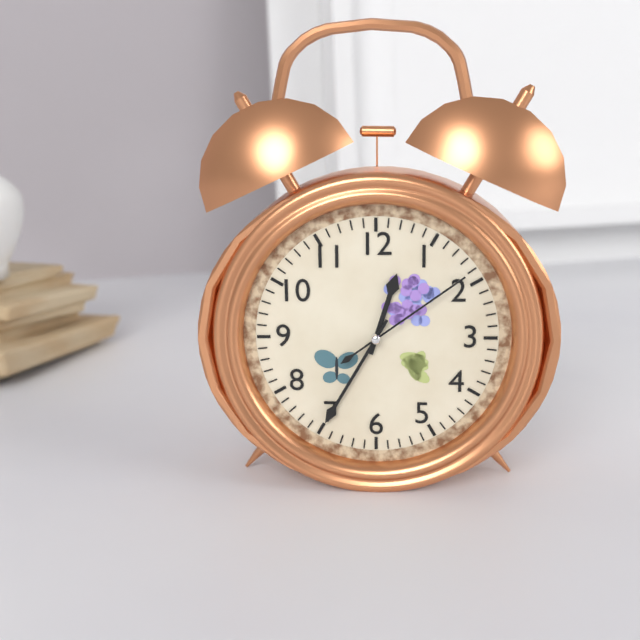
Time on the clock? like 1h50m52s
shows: 12h35m09s
